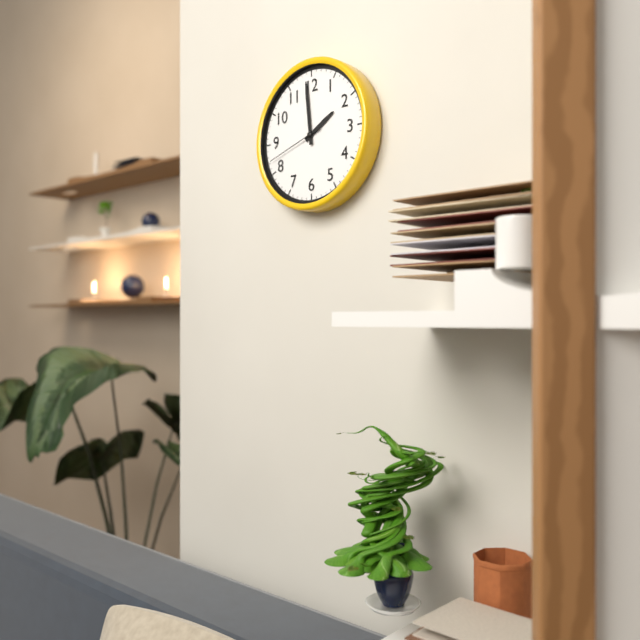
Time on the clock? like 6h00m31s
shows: 1h59m42s
